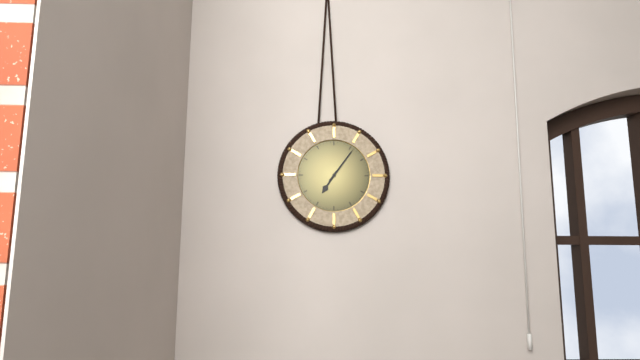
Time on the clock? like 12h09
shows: 7h06
